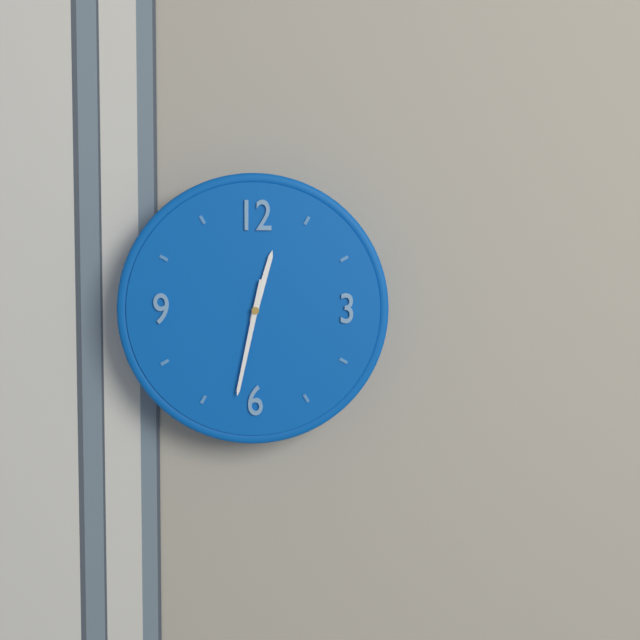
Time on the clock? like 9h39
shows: 12h32
